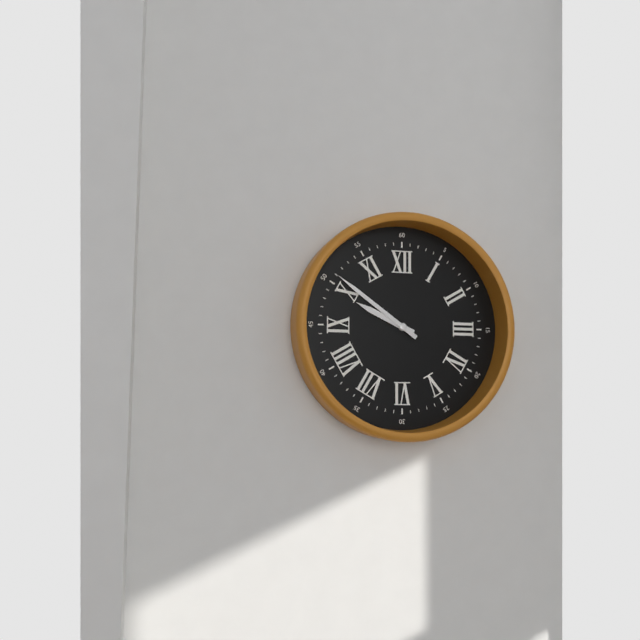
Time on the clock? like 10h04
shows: 9h51
